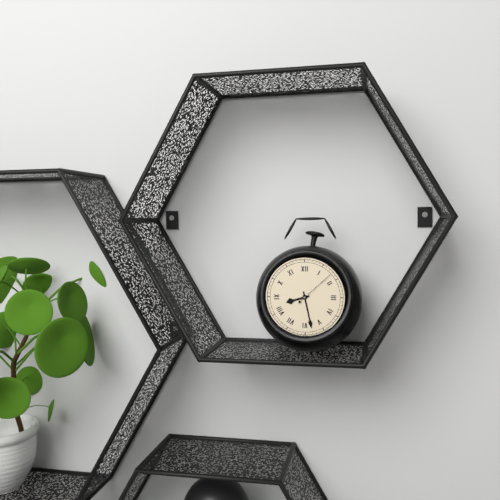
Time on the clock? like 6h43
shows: 8h28
